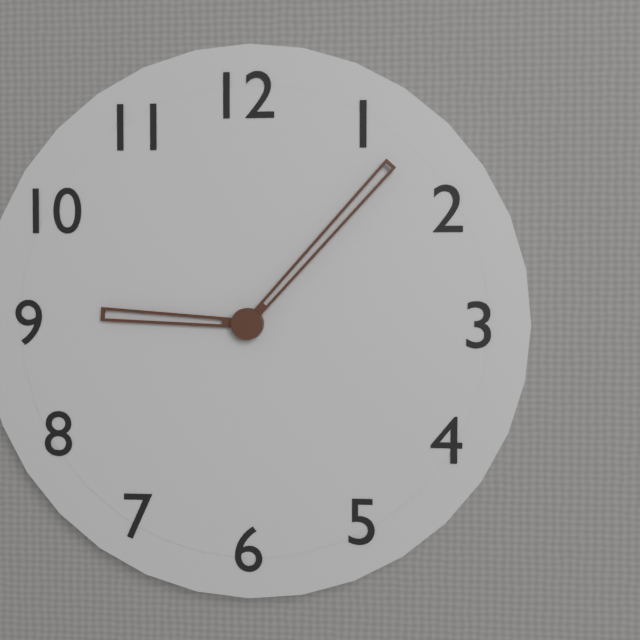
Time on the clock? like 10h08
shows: 9h07
